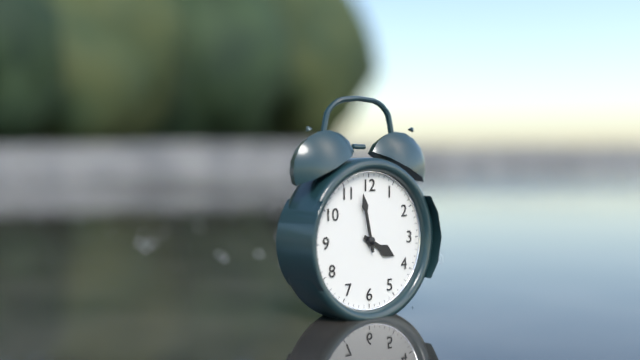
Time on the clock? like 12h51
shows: 3h58
